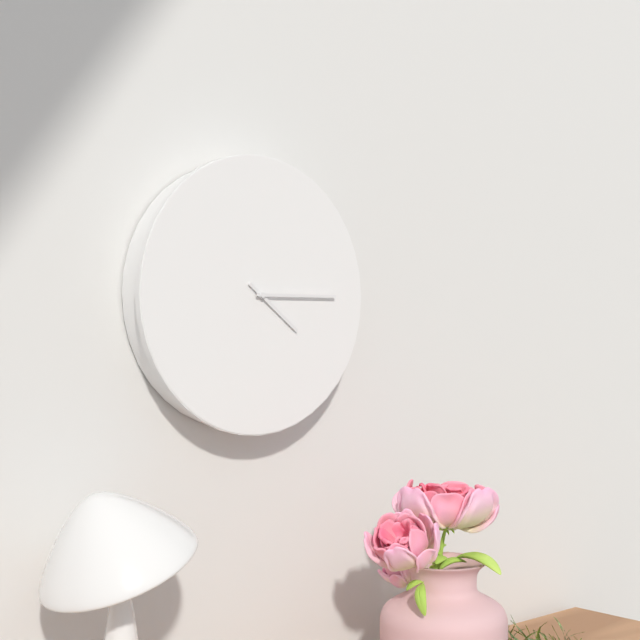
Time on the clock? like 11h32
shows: 4h15
